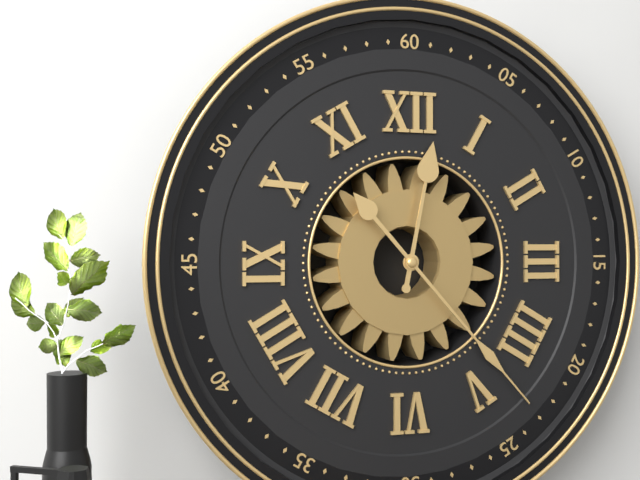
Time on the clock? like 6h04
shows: 12h23
